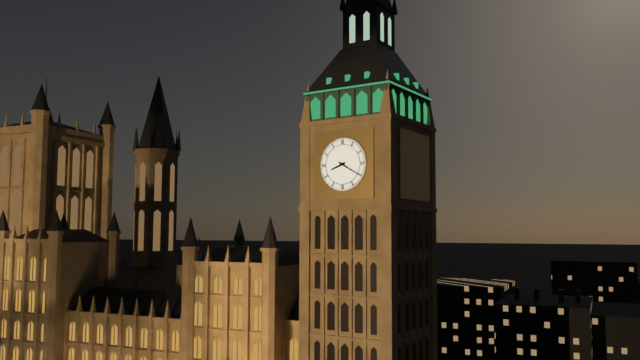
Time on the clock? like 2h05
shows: 8h20
